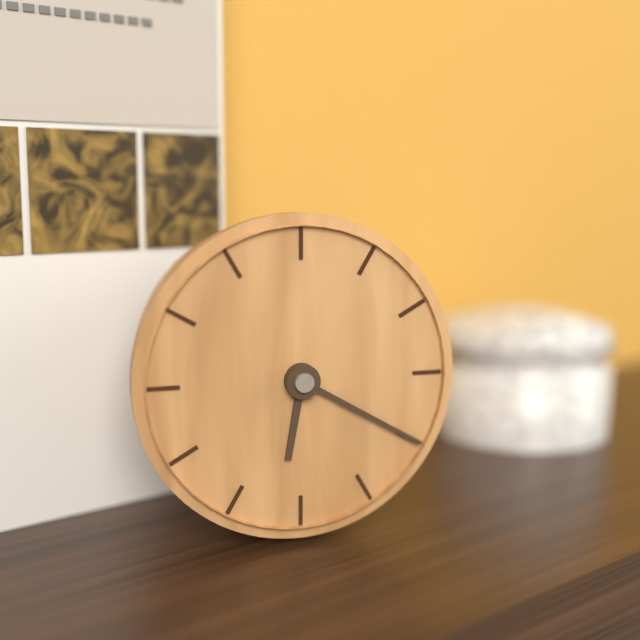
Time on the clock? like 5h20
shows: 6h20
